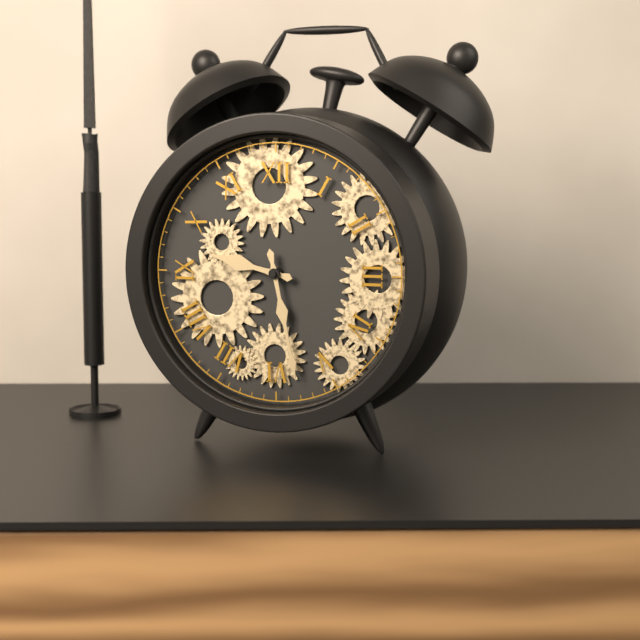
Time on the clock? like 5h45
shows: 9h28
